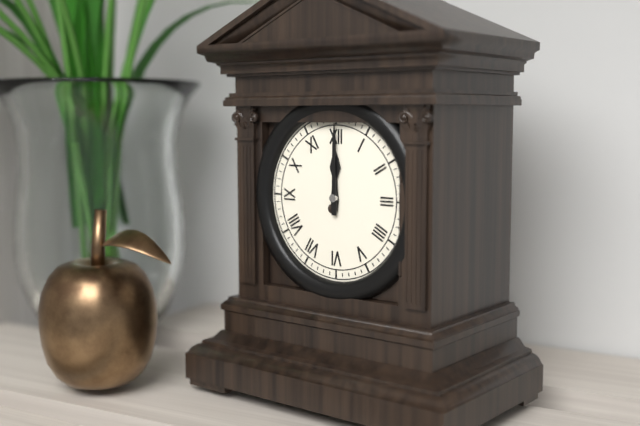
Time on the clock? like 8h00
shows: 12h00
